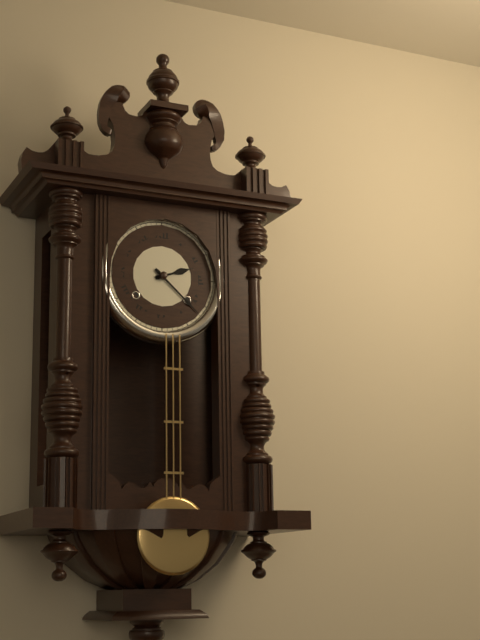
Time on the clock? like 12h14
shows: 2h22
